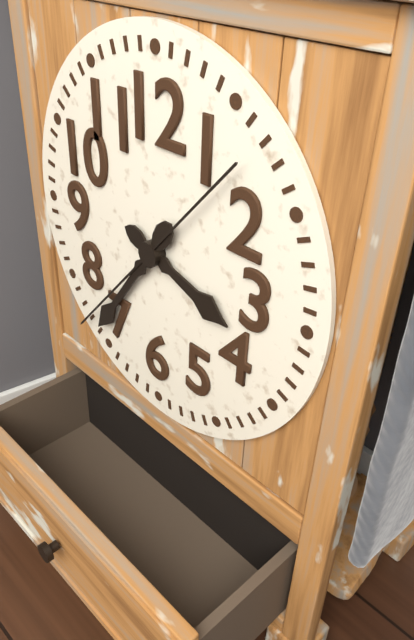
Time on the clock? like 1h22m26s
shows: 3h36m37s
